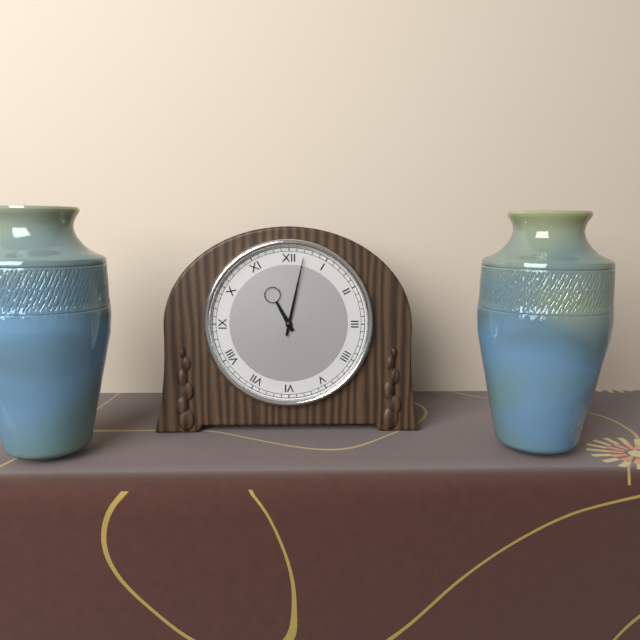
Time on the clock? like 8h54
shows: 11h02
